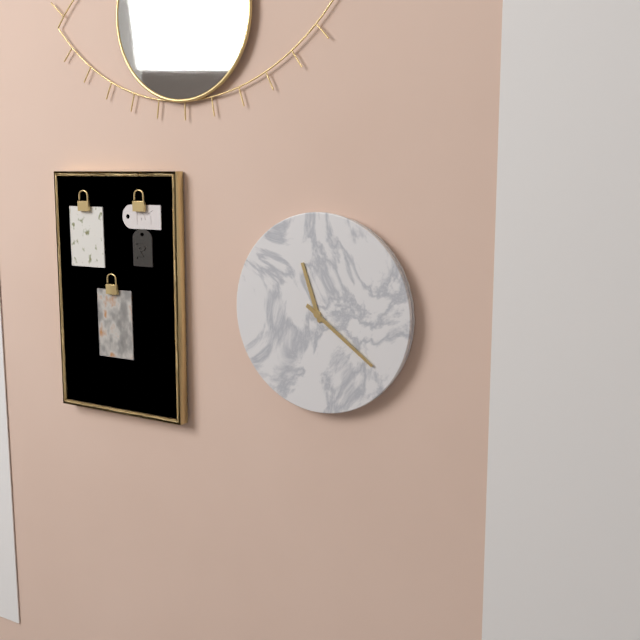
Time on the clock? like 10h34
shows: 11h21
